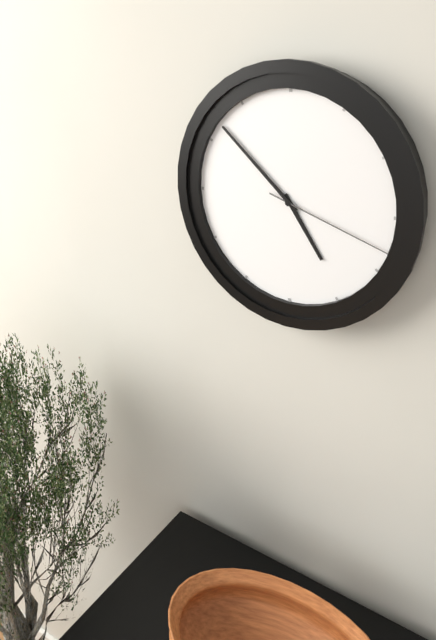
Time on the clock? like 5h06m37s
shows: 4h52m18s
